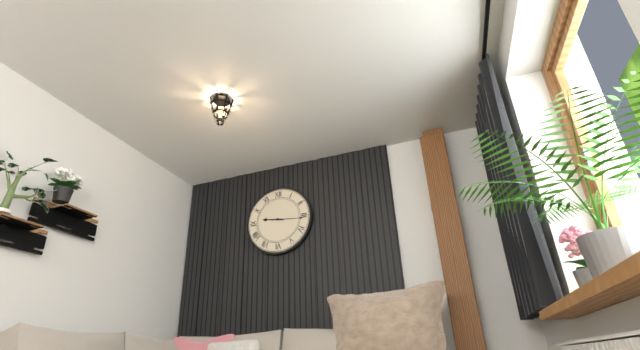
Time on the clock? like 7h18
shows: 9h16
